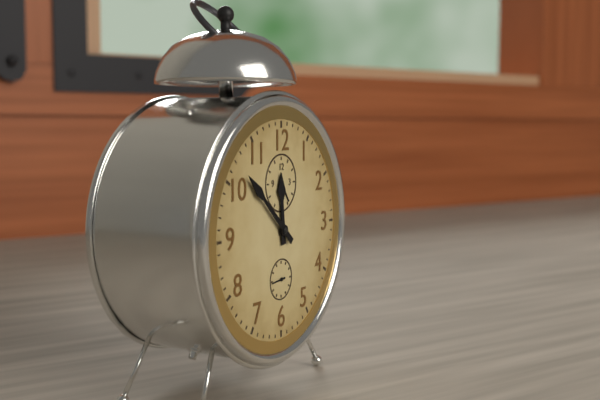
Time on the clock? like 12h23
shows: 11h52
